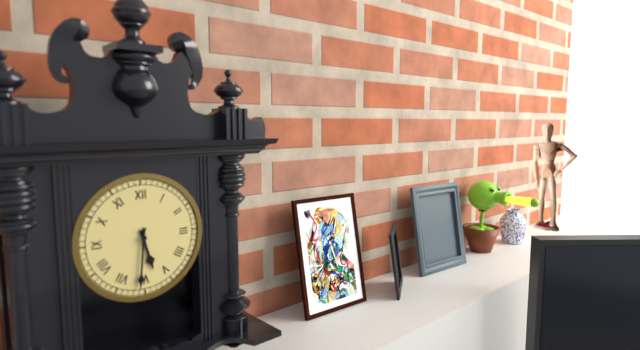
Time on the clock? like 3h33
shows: 5h31
